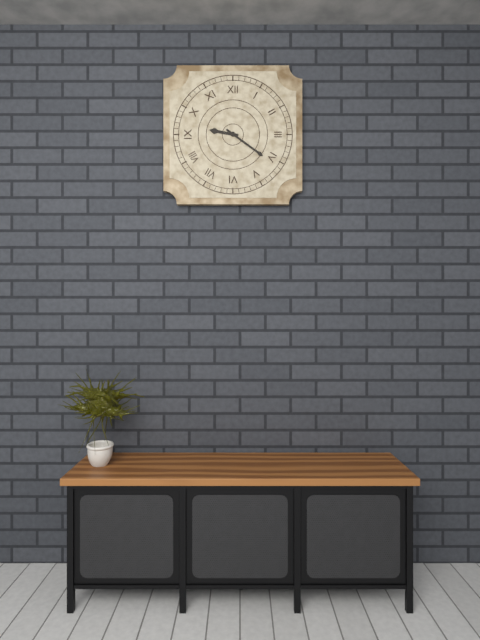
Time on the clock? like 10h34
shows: 9h21
